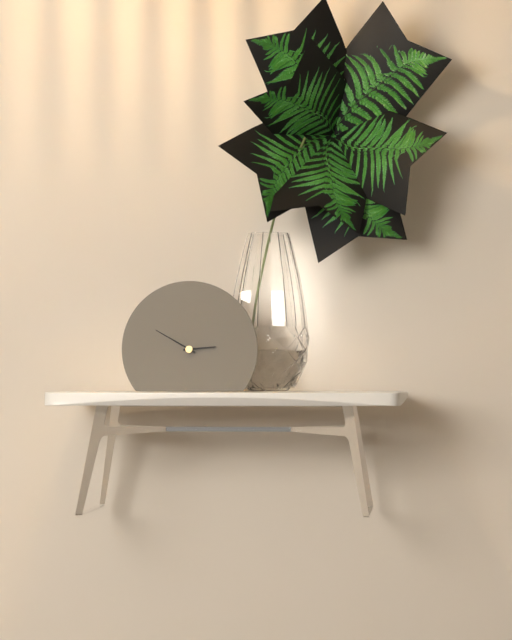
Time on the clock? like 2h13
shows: 2h50
